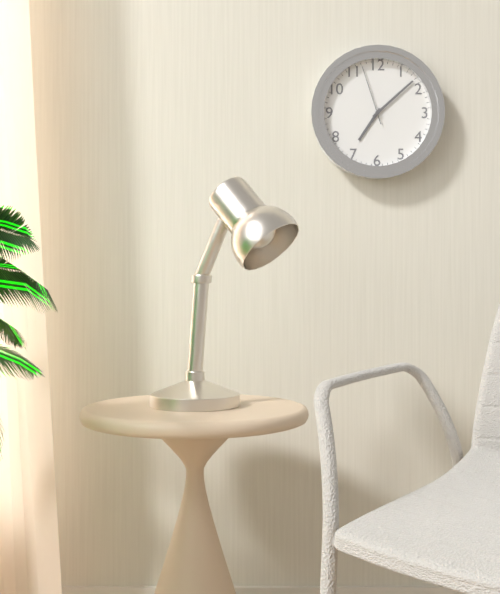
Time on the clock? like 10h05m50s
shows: 7h08m57s
